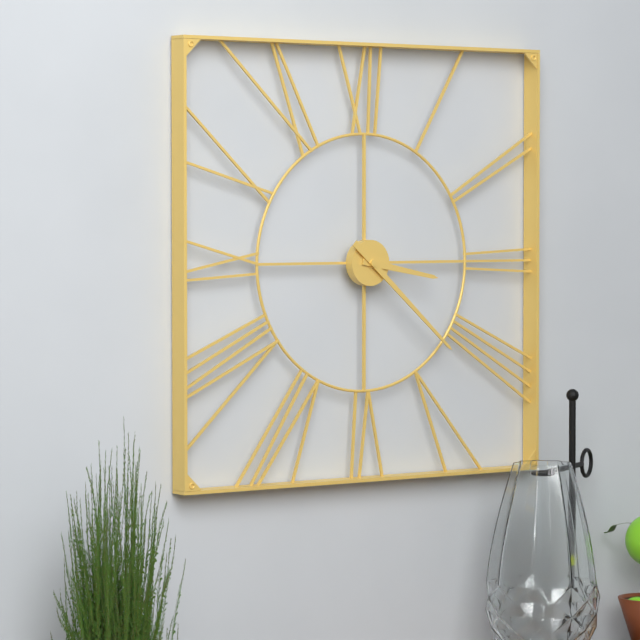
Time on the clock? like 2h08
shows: 3h22
